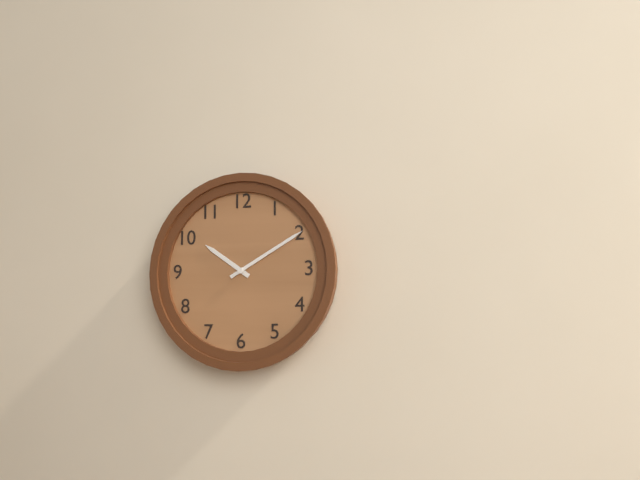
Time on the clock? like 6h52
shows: 10h10
